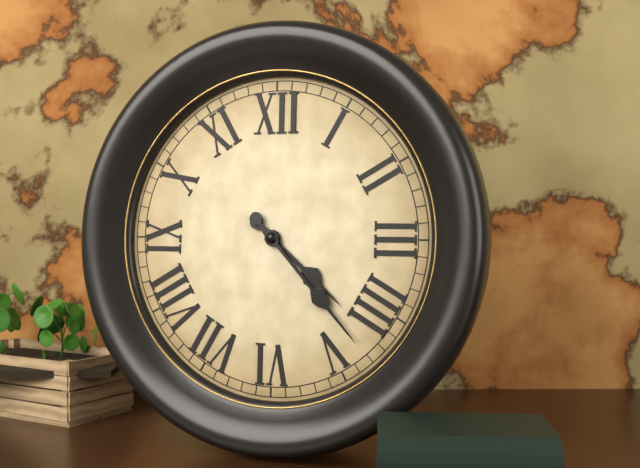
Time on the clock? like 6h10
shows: 4h23
